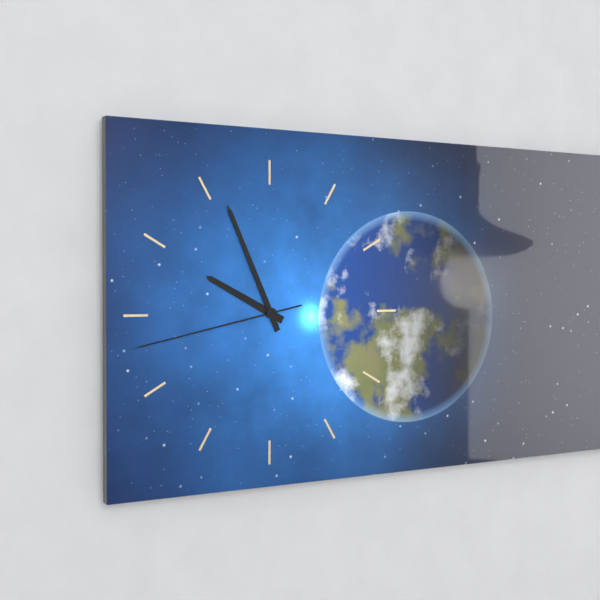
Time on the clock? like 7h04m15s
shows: 9h56m43s
